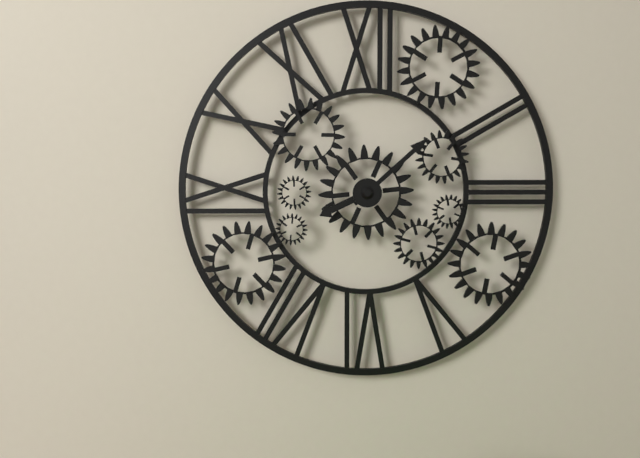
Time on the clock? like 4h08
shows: 8h08
